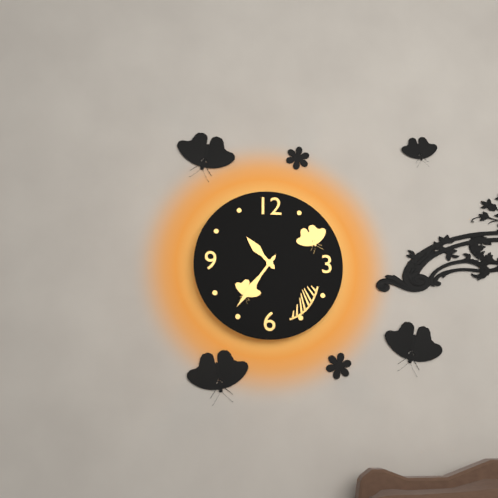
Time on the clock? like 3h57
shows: 10h36
